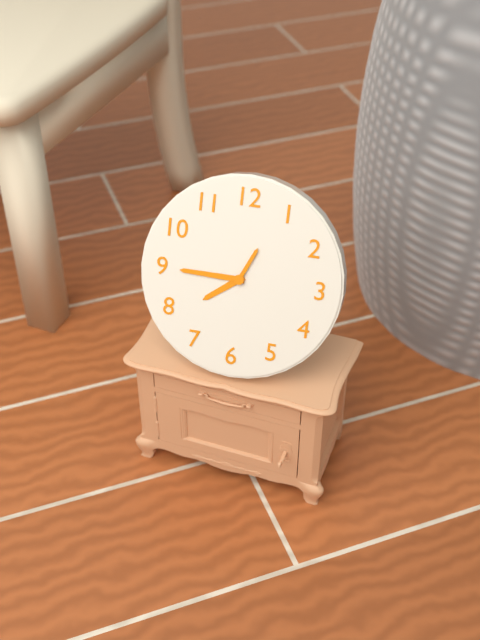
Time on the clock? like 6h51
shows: 7h45
